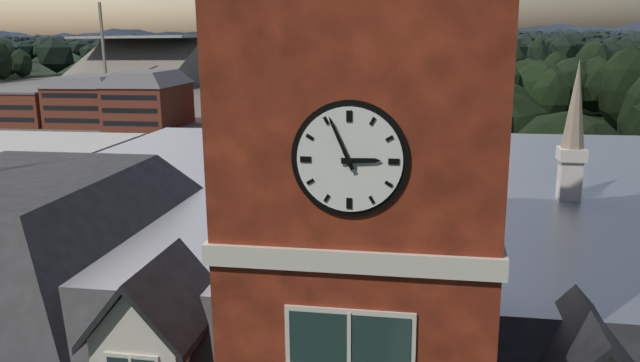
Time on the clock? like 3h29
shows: 2h56
